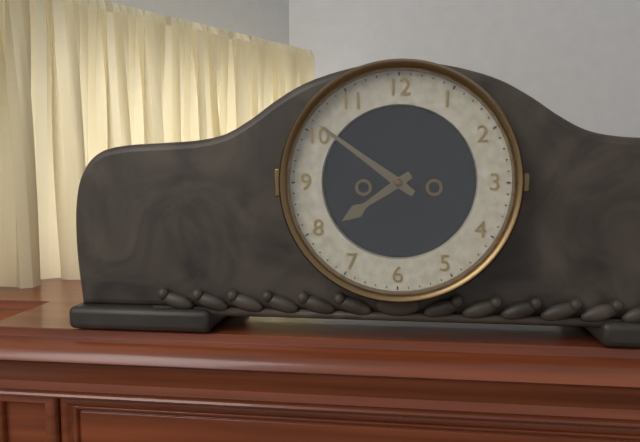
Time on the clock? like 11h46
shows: 7h51
